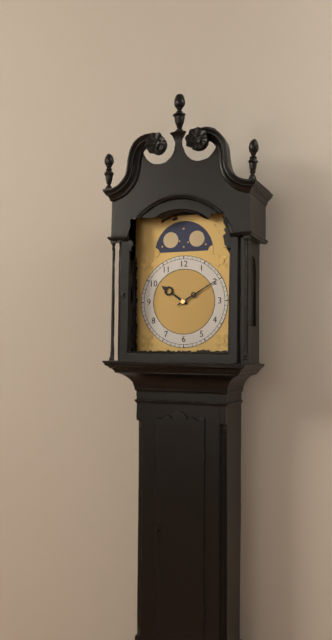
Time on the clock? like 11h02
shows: 10h10
